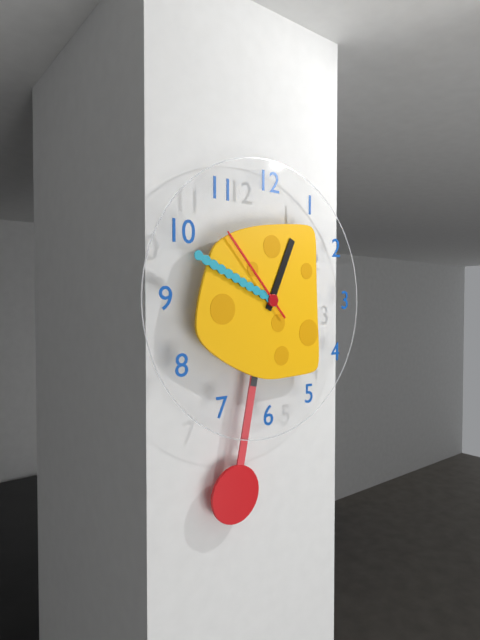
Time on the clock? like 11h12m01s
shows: 12h49m53s
